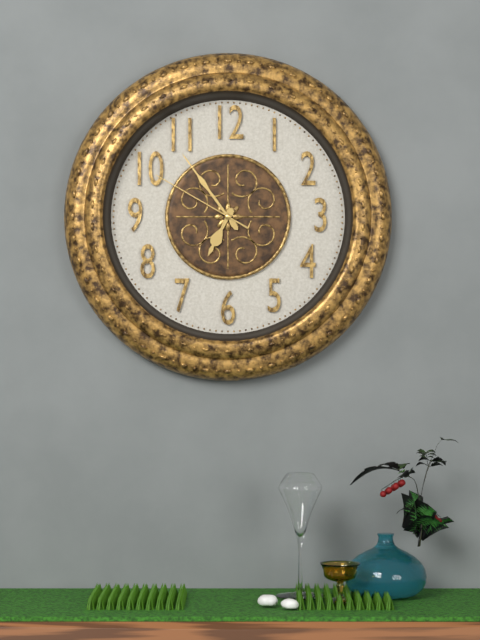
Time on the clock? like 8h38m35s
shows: 6h54m50s
